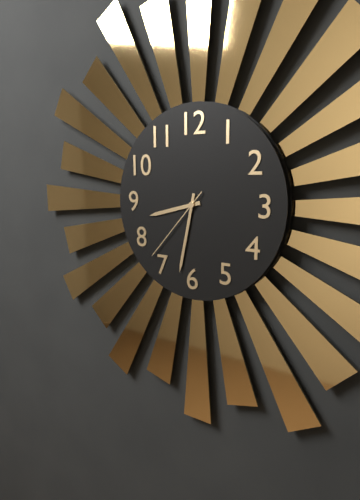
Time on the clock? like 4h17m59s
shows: 8h32m37s
